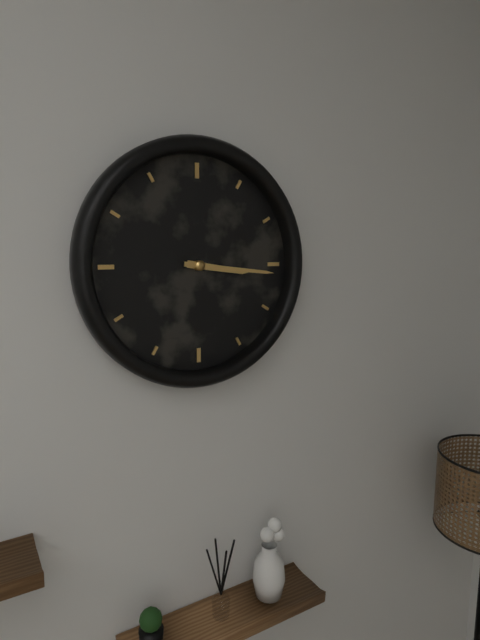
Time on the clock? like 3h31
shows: 3h16
